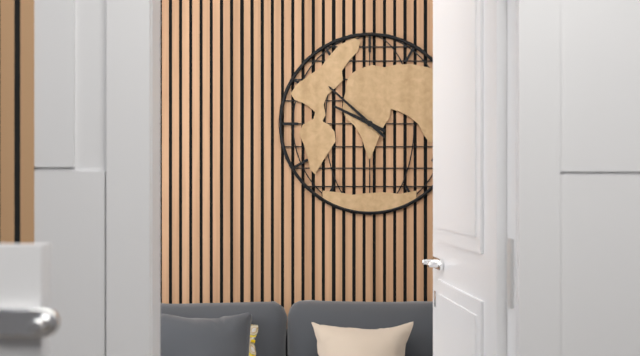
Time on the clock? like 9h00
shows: 9h52
